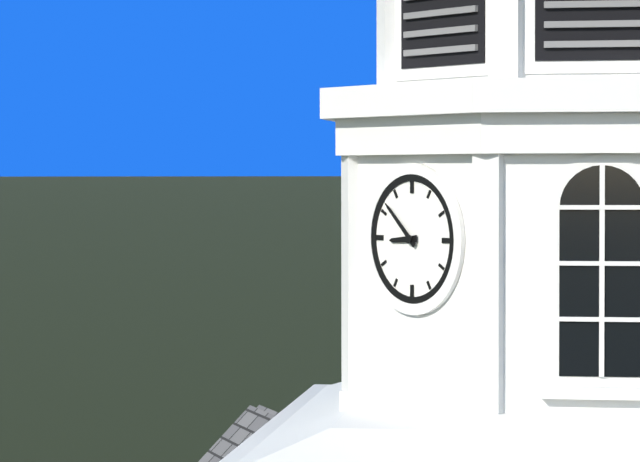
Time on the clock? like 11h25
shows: 8h52
